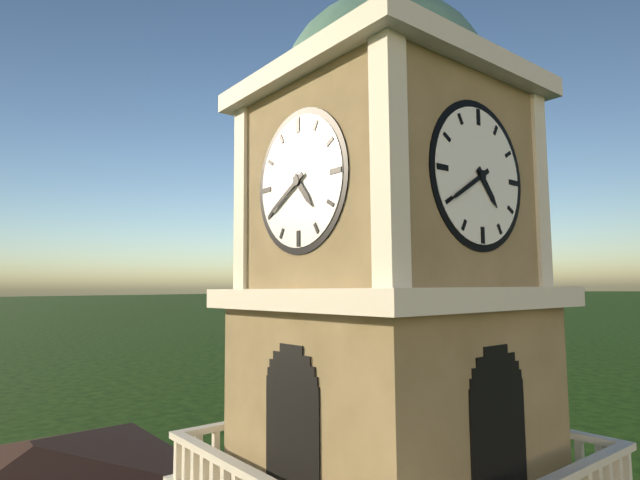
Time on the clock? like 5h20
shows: 4h40
